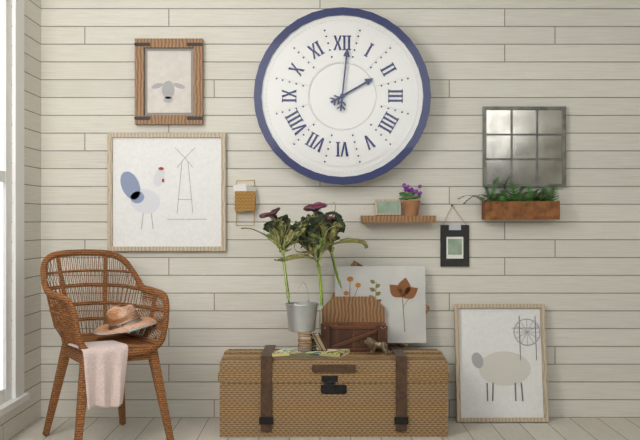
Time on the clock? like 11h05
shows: 2h01
